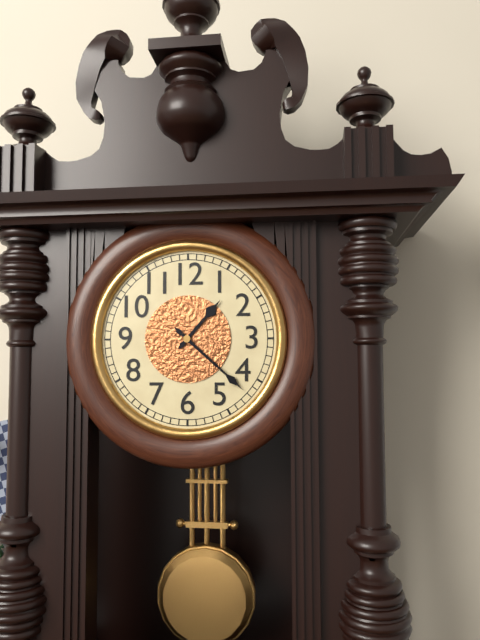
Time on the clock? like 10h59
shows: 1h22
